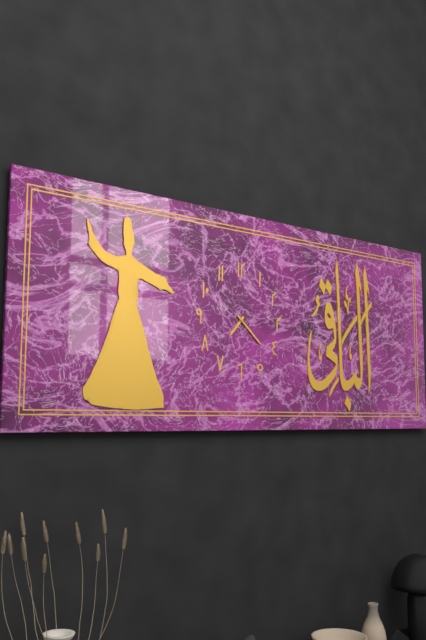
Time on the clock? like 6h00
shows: 7h22
